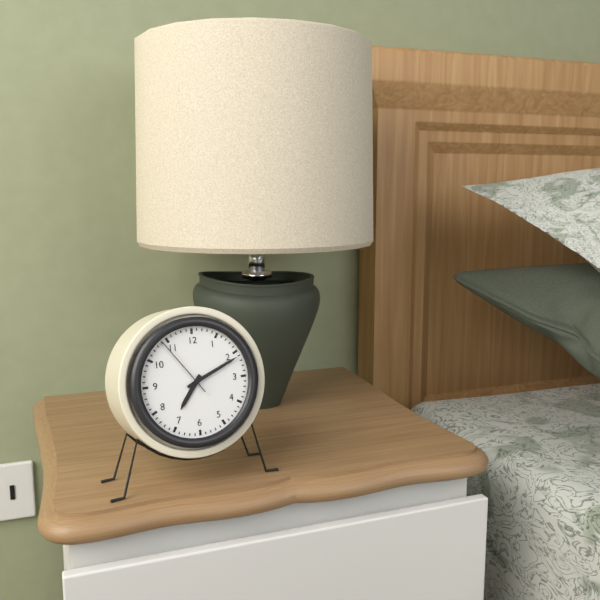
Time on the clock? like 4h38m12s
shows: 7h11m54s
